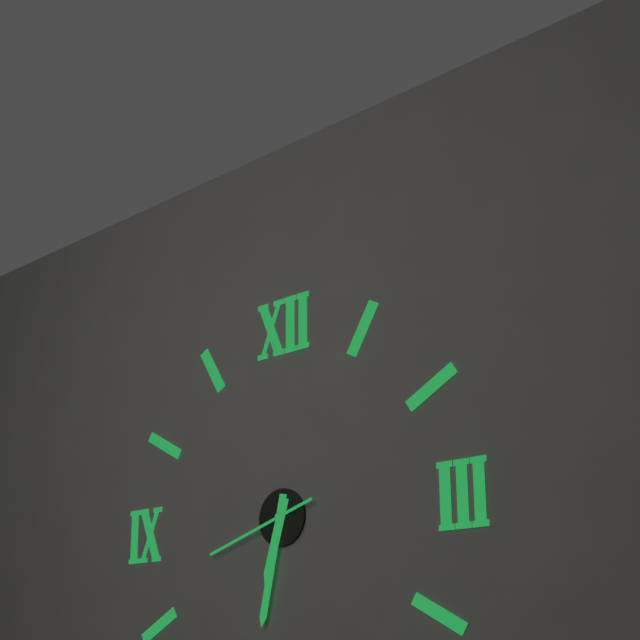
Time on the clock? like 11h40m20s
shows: 6h32m42s
